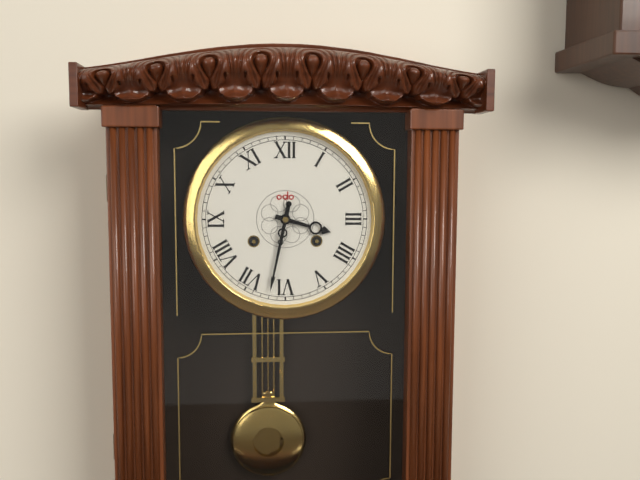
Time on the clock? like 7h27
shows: 3h32
